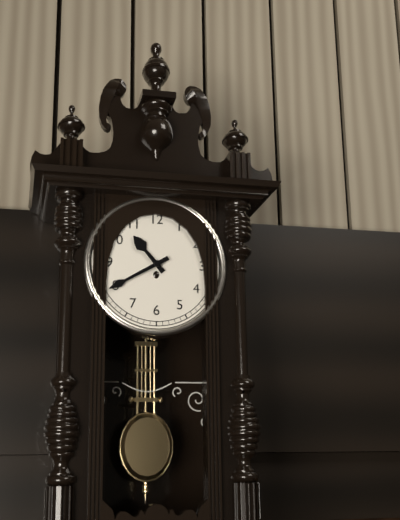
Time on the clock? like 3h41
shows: 10h40
